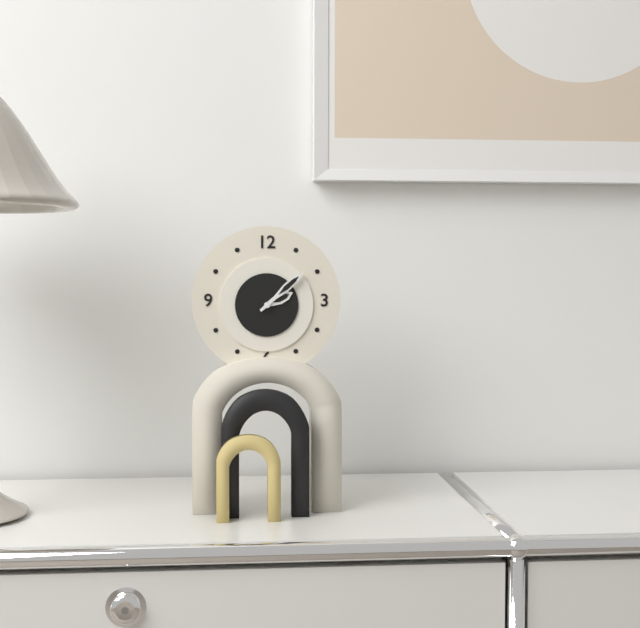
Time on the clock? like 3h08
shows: 2h08
